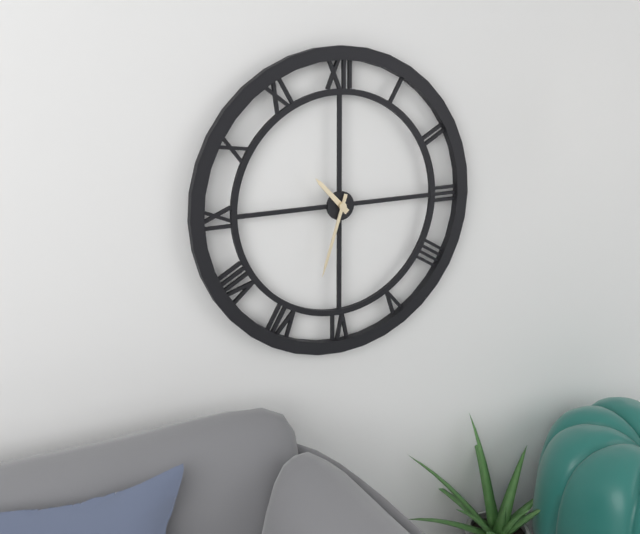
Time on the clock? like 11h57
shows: 10h33
